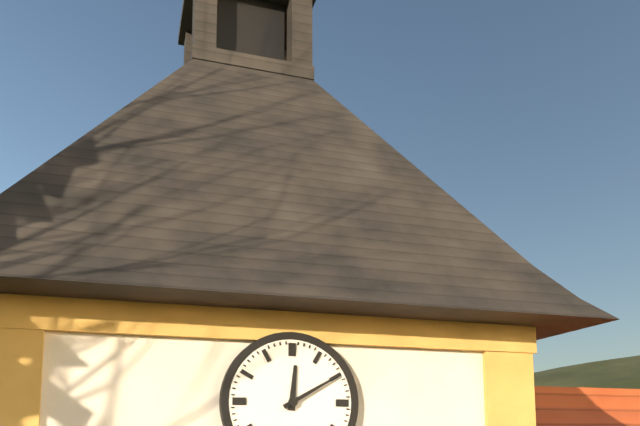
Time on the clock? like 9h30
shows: 12h10
